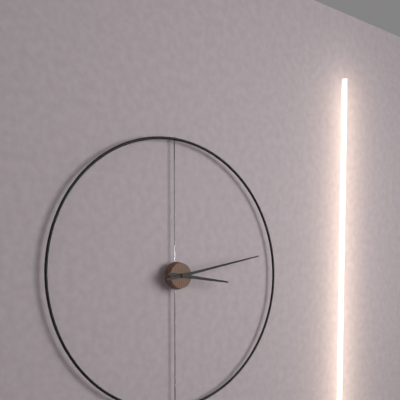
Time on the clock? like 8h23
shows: 3h13
